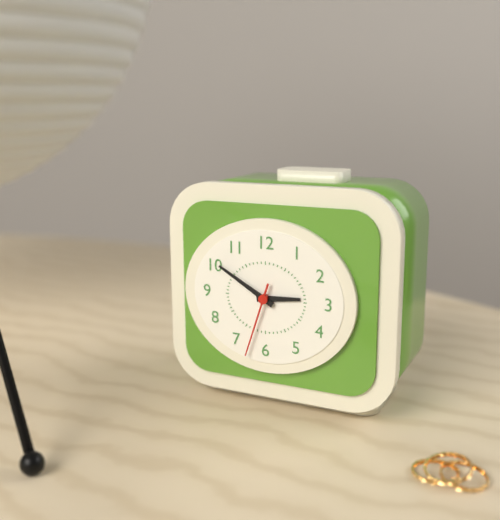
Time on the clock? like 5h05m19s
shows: 2h50m33s
